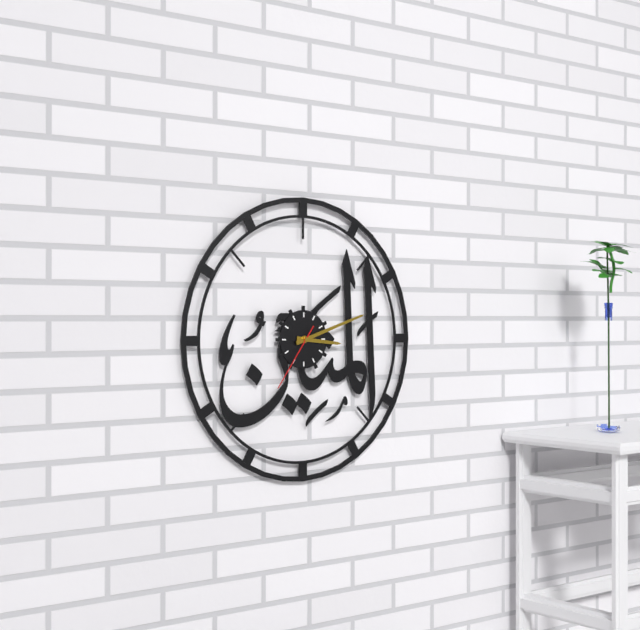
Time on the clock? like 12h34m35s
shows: 3h12m36s
